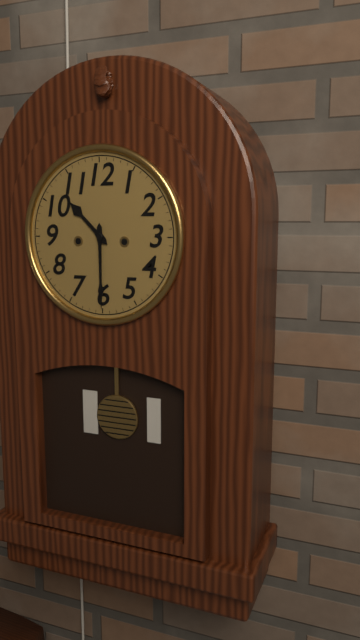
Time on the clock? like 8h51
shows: 10h30
